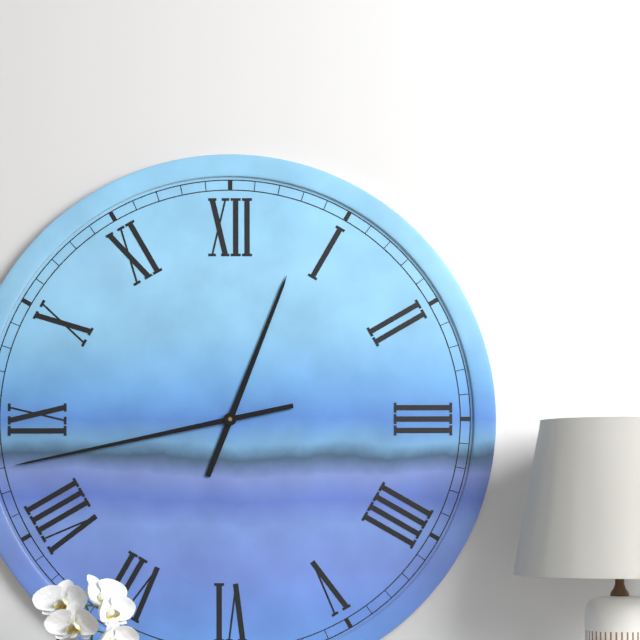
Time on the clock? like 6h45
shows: 12h43
